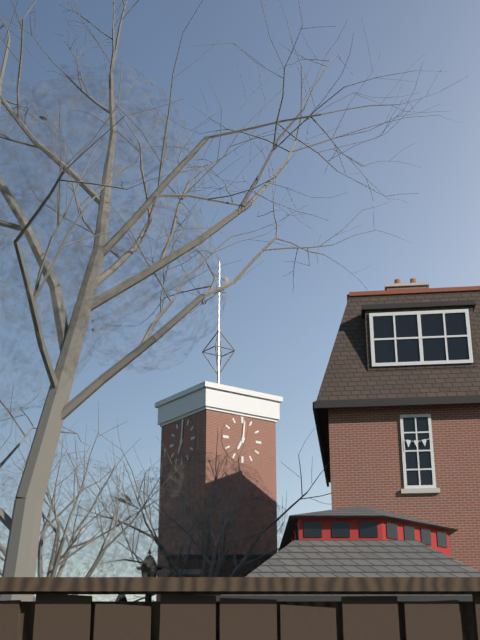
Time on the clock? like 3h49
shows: 7h01
